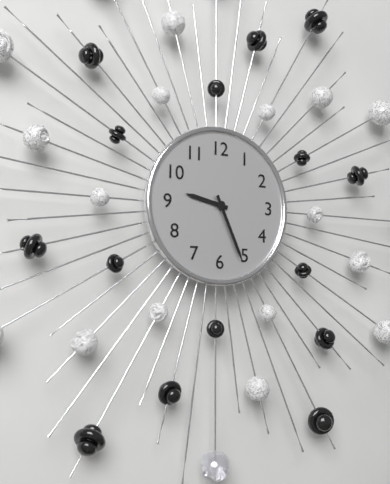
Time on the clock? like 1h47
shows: 9h26
